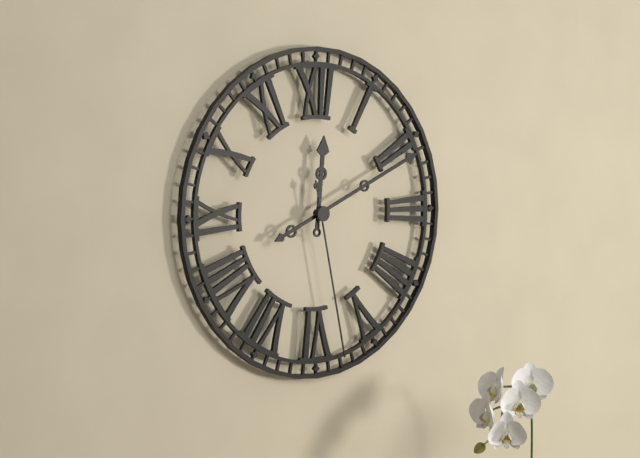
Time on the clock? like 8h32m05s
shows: 12h11m28s
